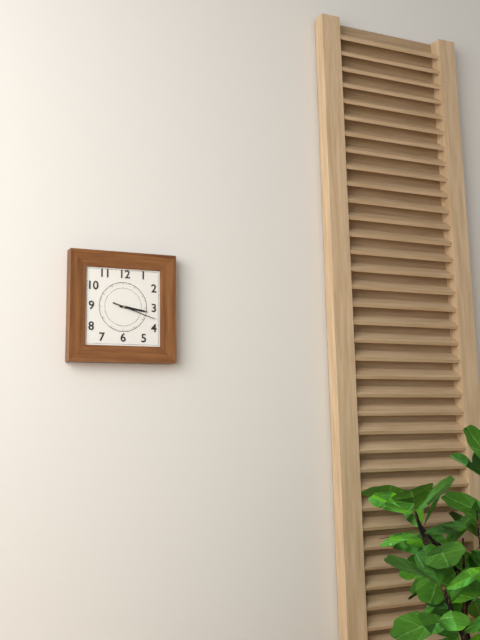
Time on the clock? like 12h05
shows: 3h18
